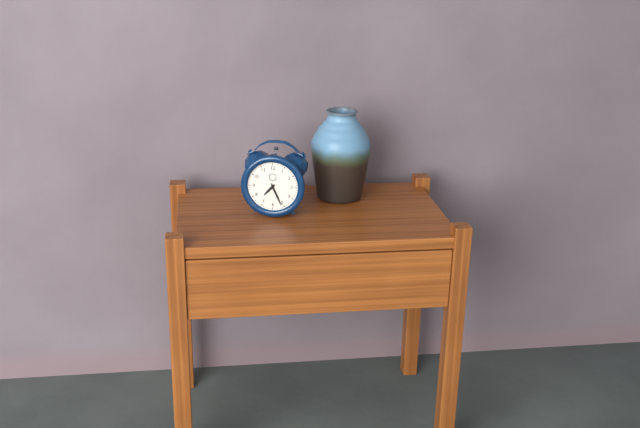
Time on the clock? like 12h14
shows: 7h26
